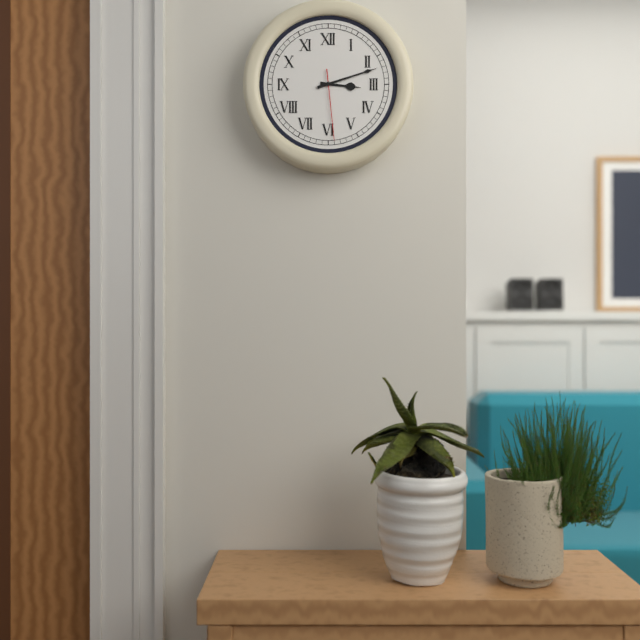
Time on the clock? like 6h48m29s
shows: 3h12m29s
